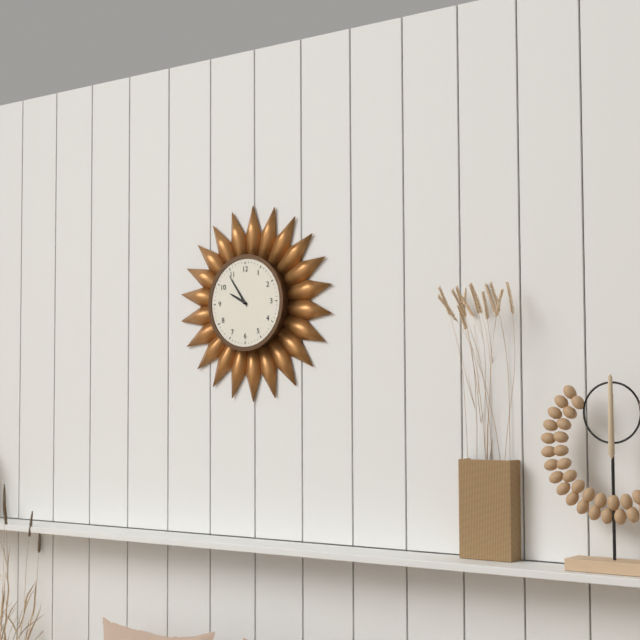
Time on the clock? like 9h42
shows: 9h54
